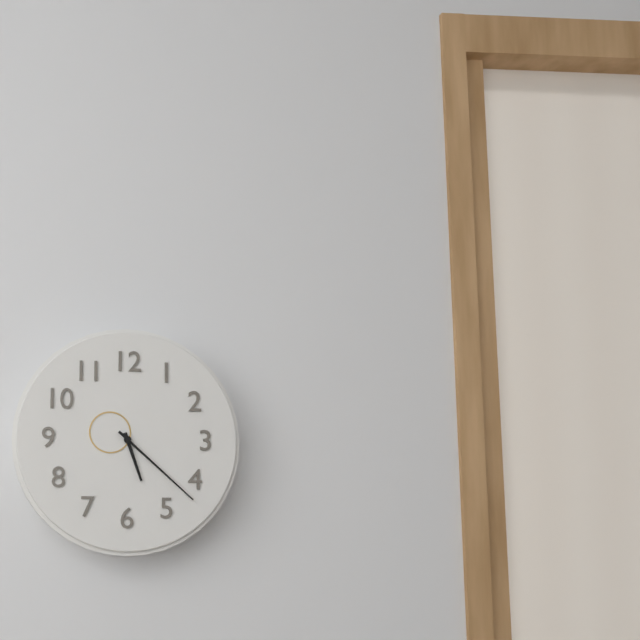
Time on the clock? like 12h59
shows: 5h22
